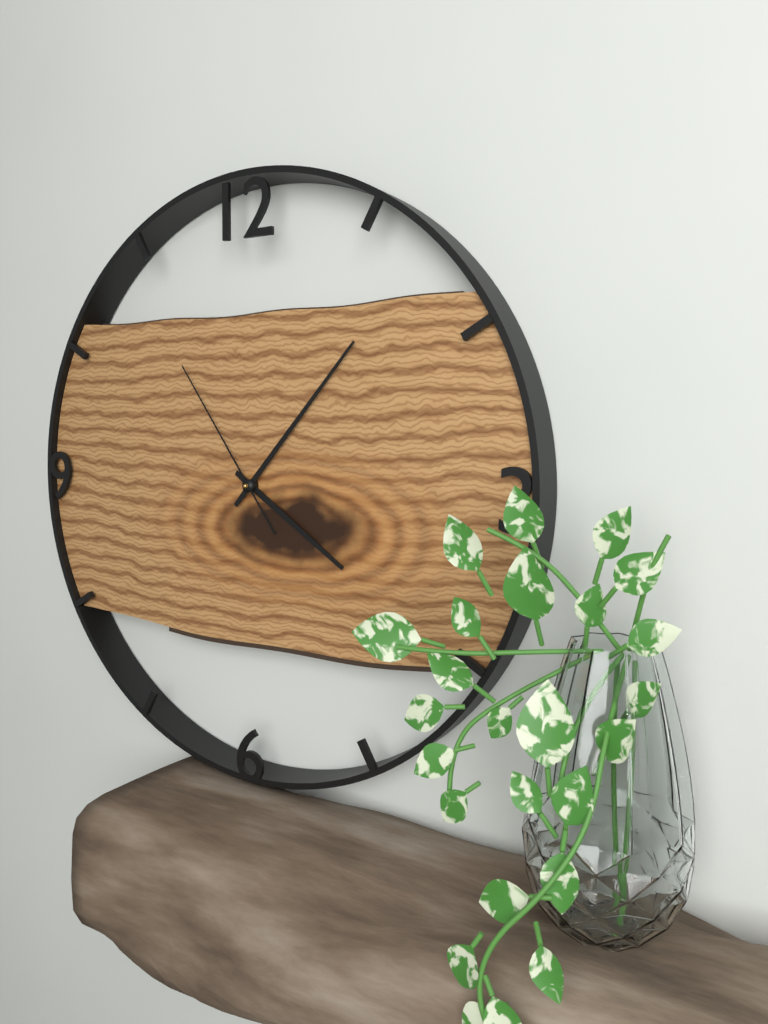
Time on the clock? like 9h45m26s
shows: 4h07m54s
